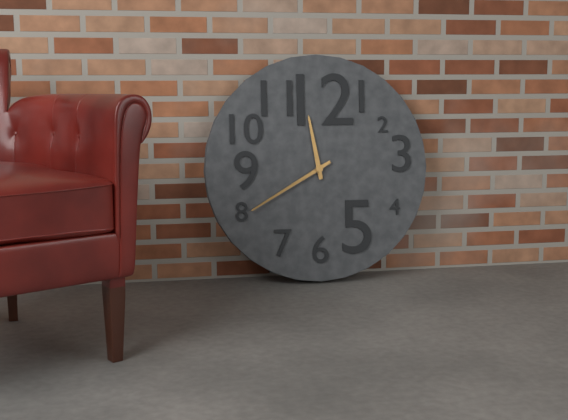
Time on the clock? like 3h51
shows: 11h40
